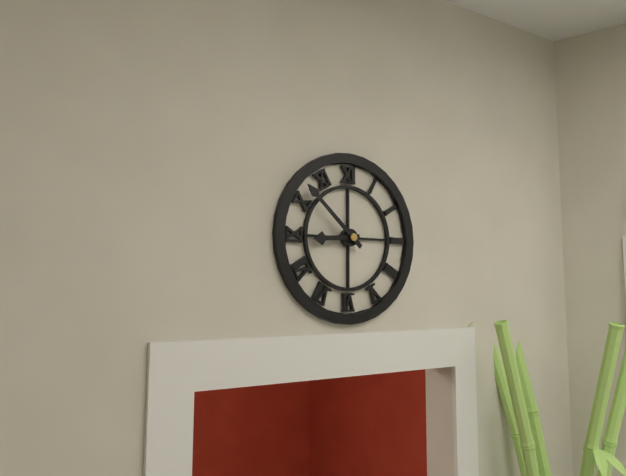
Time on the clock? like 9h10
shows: 8h52
